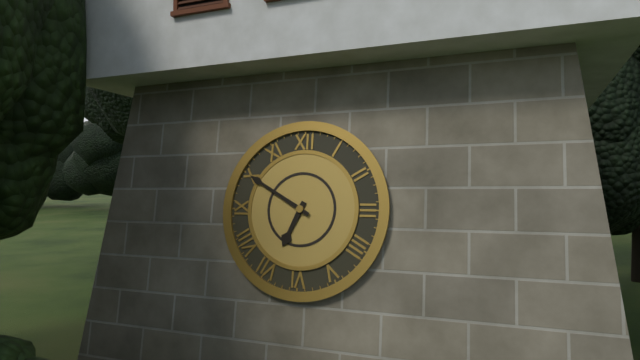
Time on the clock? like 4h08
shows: 6h50
